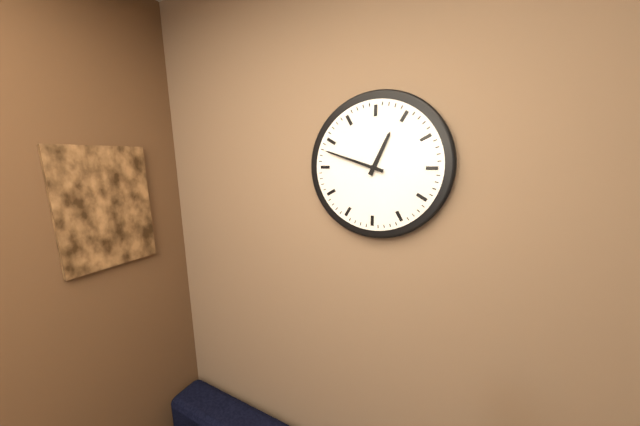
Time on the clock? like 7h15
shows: 12h48
